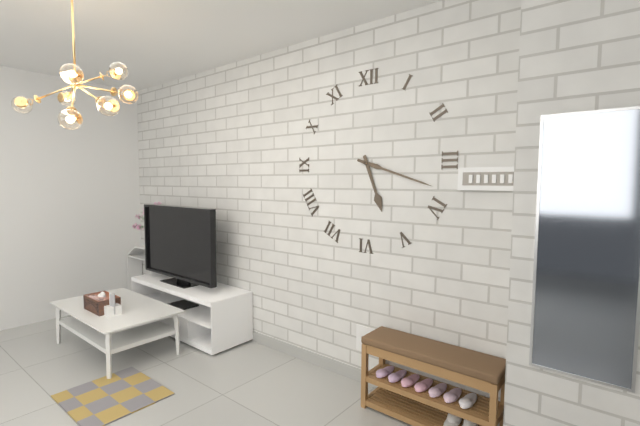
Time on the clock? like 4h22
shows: 5h18
